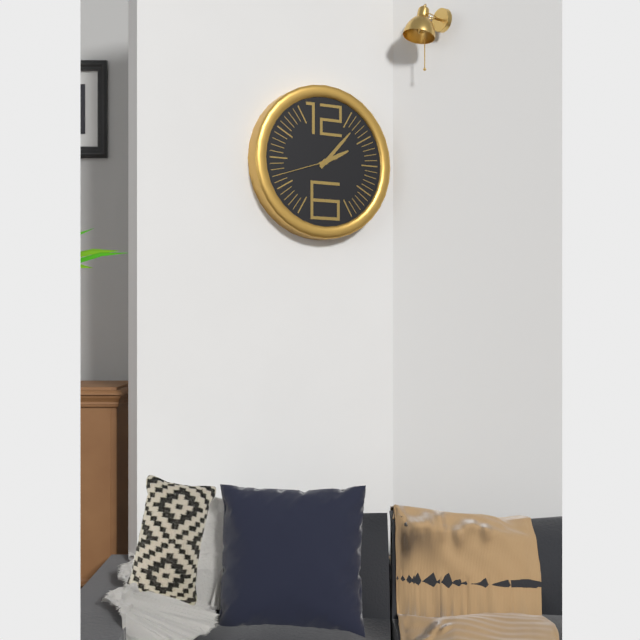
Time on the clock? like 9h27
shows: 2h07
